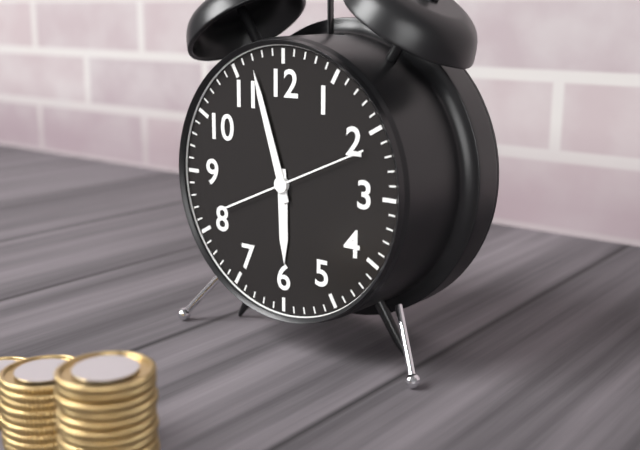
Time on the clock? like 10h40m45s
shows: 5h57m11s
